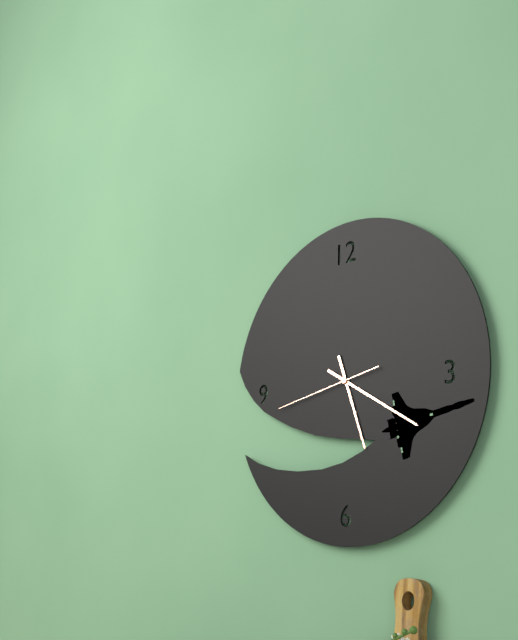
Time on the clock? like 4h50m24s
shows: 5h20m43s
